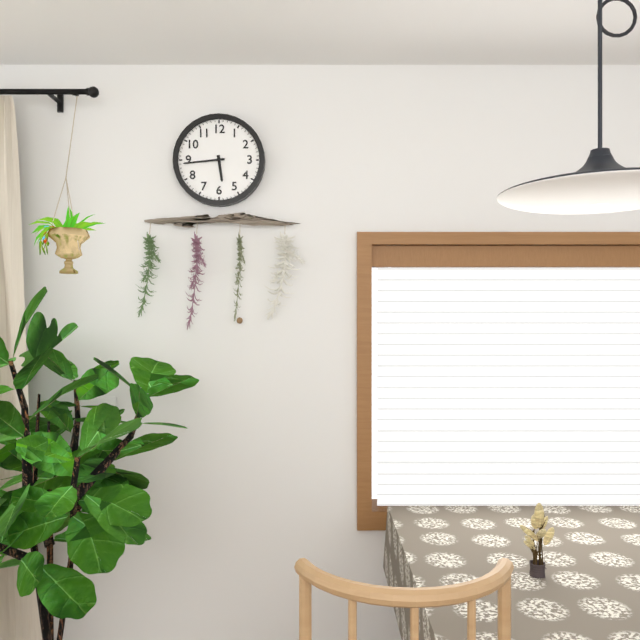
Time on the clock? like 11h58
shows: 5h44
